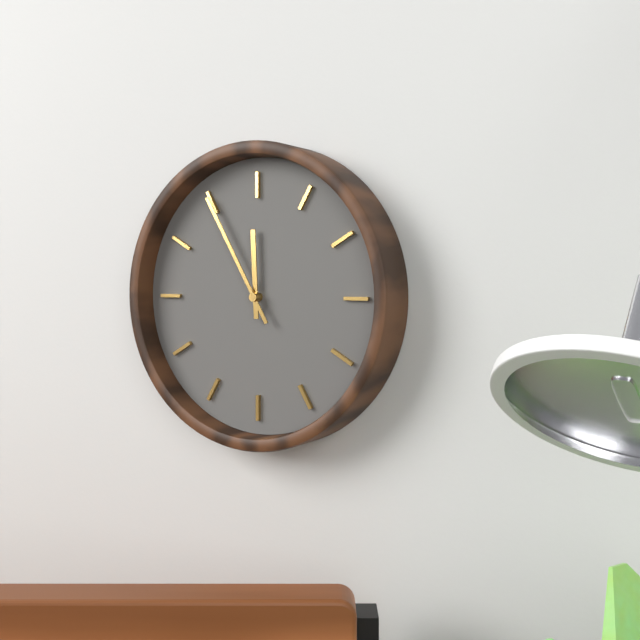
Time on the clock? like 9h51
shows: 11h55
